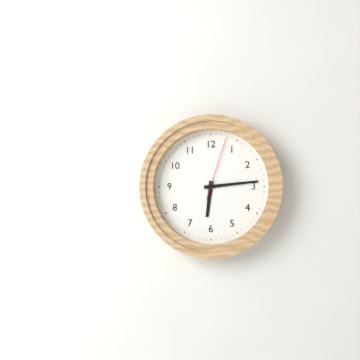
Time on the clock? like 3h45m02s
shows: 6h14m03s
